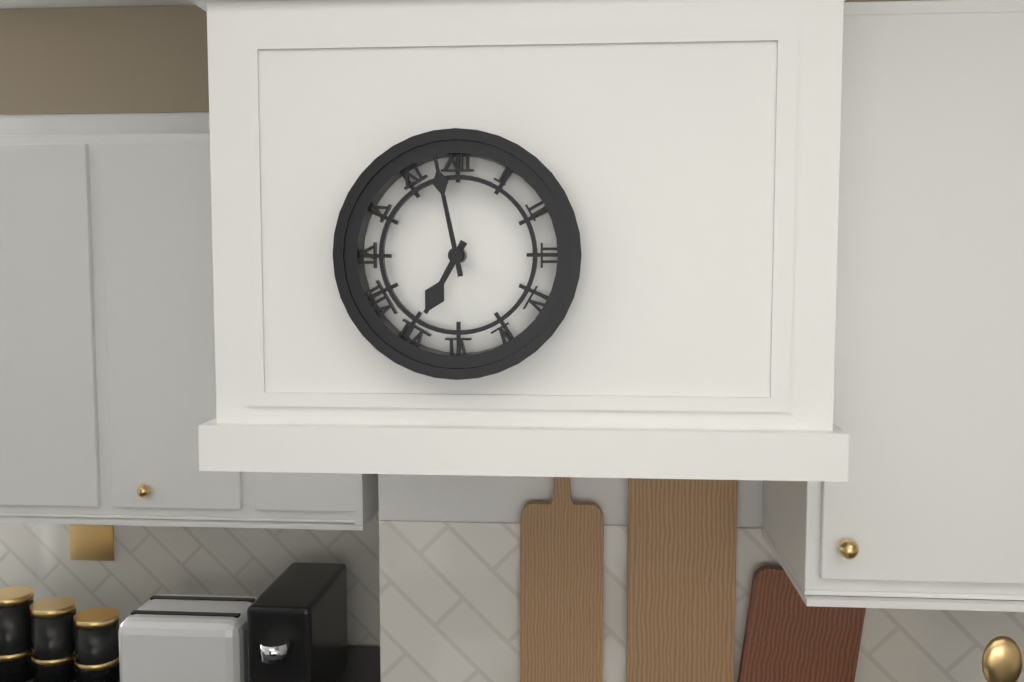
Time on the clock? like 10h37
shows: 6h58
